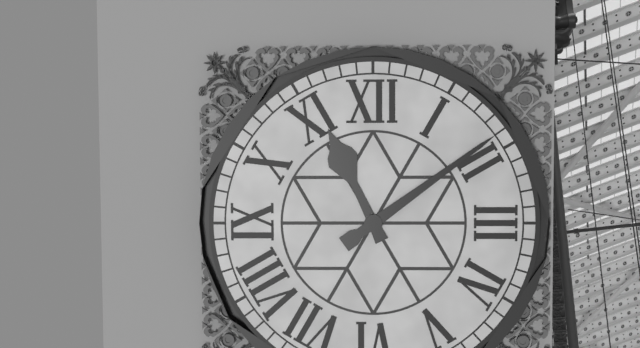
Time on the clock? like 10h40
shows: 11h09
